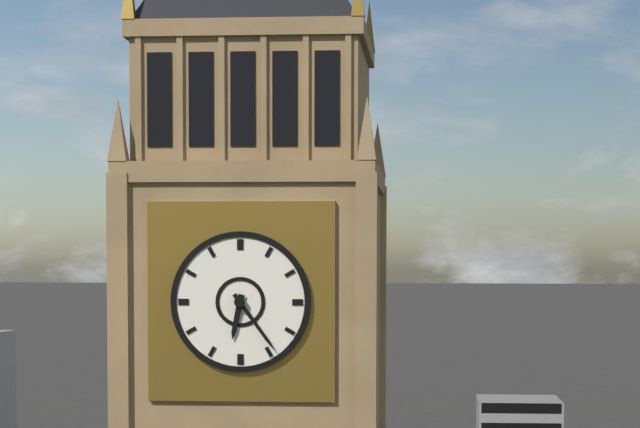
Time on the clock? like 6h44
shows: 6h24
